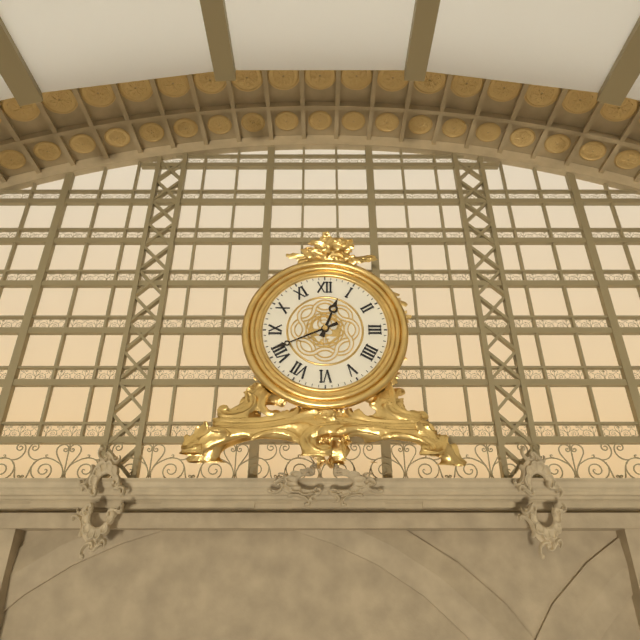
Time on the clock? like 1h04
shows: 12h41
